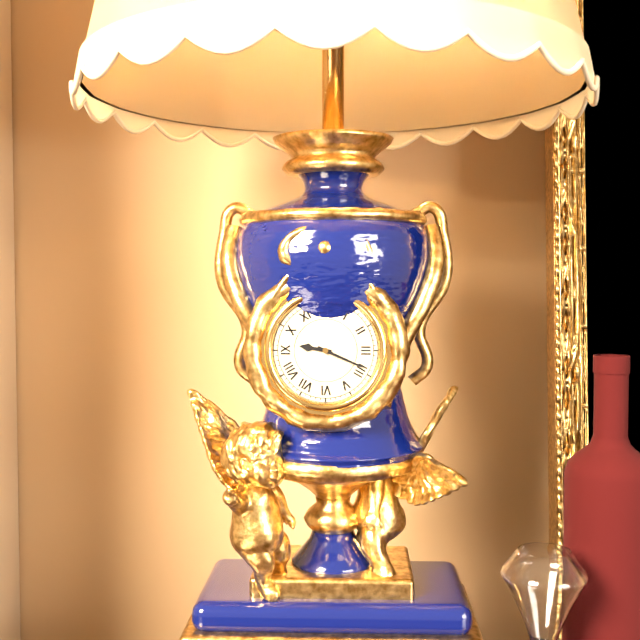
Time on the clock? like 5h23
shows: 9h19
